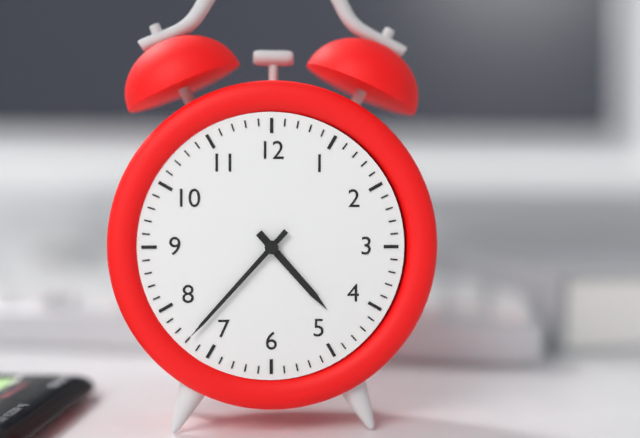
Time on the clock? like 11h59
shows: 4h37
